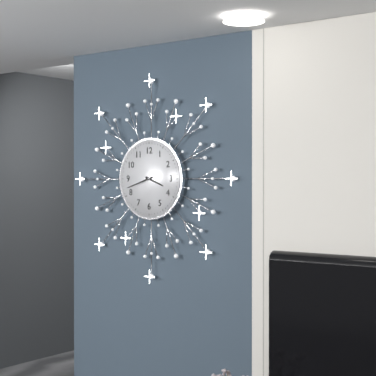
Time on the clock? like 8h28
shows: 3h42
